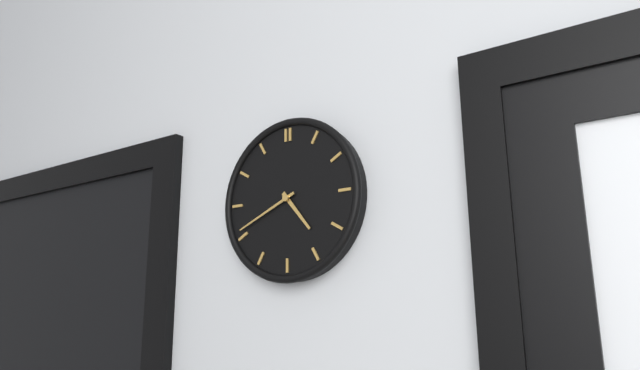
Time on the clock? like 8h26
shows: 4h41
